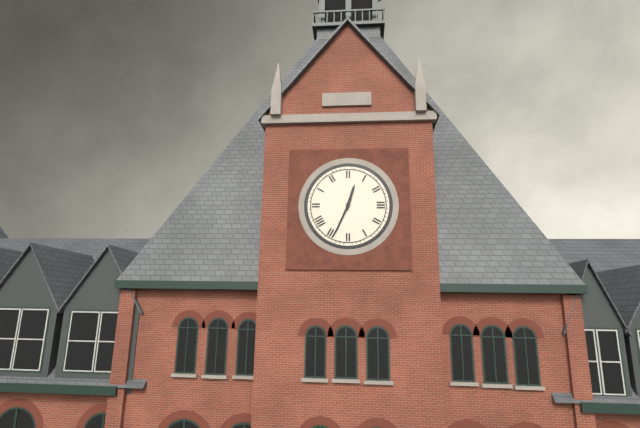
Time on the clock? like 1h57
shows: 12h34
